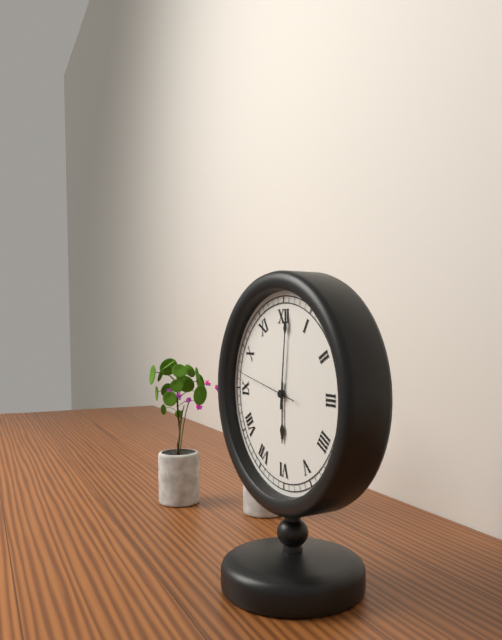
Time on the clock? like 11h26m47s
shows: 6h01m47s
